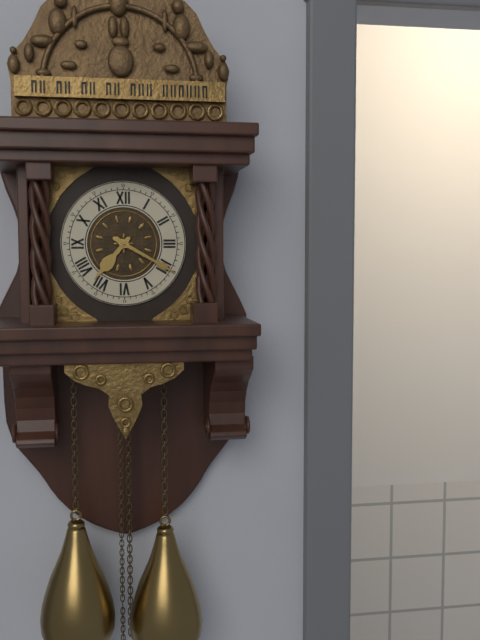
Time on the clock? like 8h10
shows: 7h20
